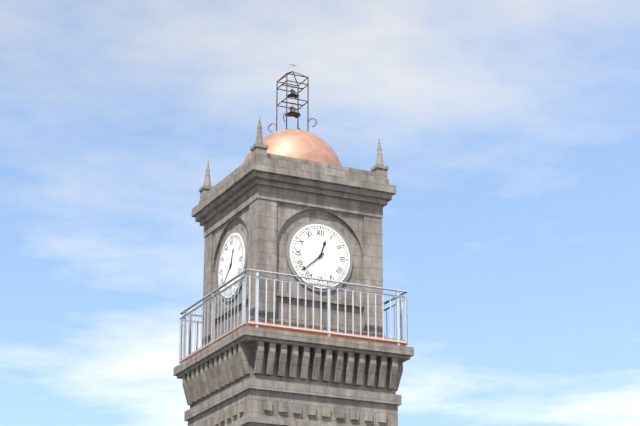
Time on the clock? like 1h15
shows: 12h38
